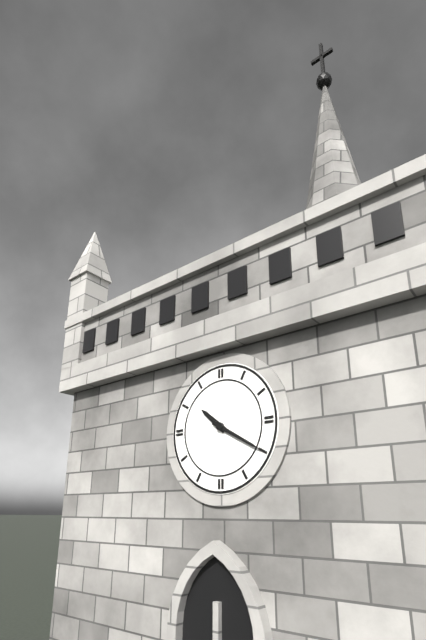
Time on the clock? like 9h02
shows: 10h20
